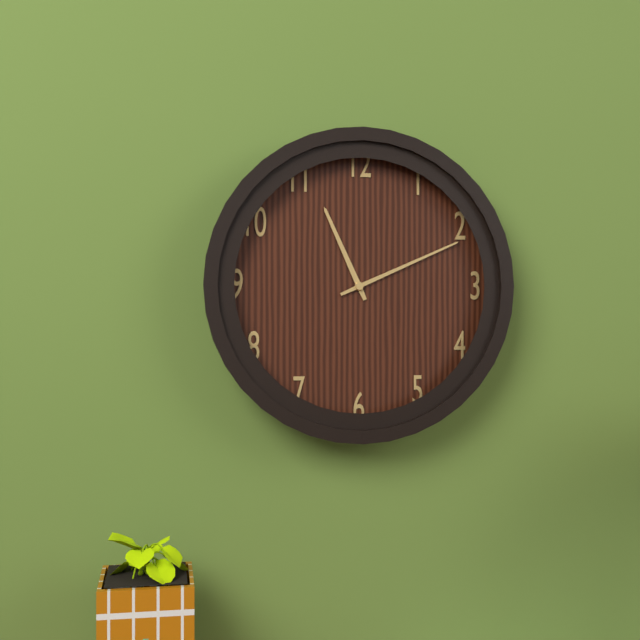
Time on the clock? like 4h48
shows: 11h11
